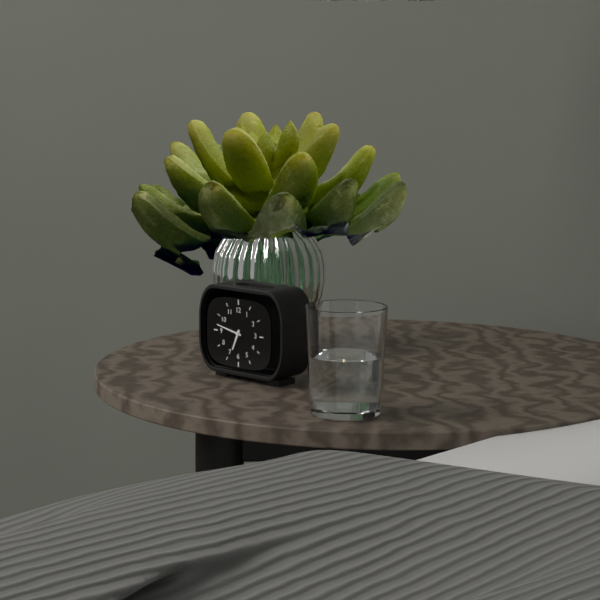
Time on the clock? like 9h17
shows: 6h47
